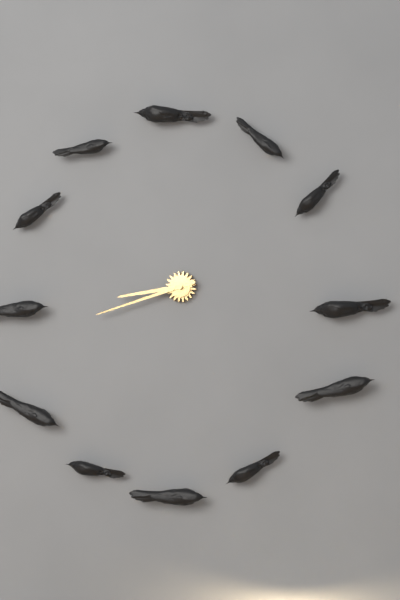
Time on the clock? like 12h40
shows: 8h42
